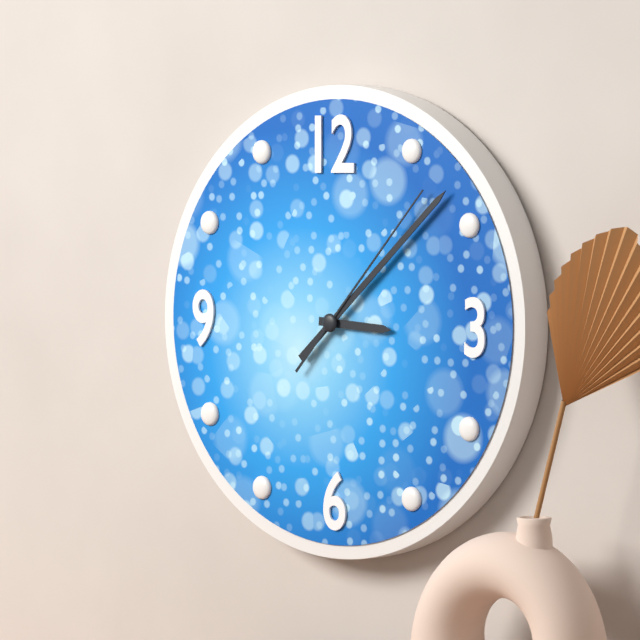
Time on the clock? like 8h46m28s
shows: 3h08m07s
